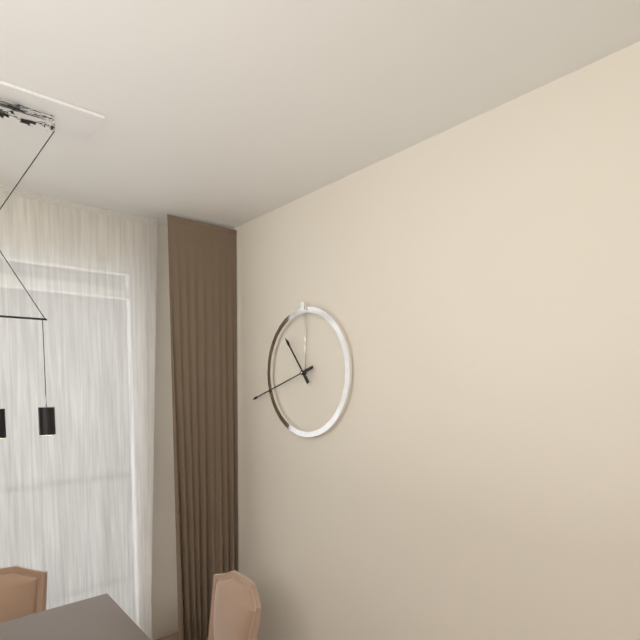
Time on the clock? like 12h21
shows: 10h42
